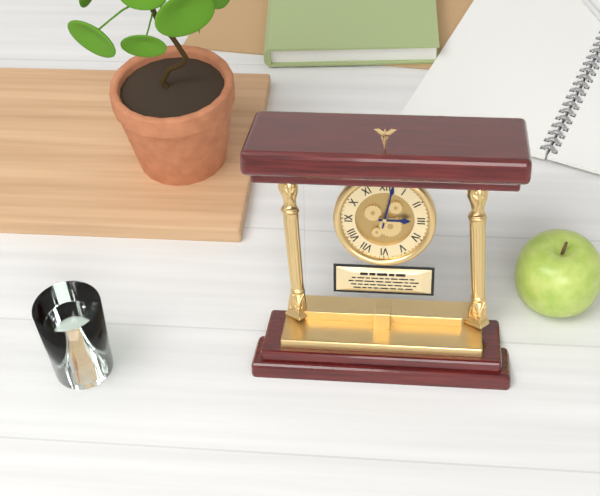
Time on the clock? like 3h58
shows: 3h02
